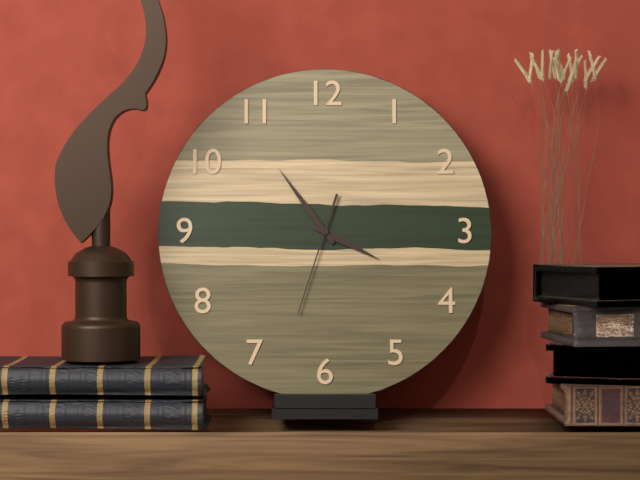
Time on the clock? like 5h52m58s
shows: 3h54m33s
